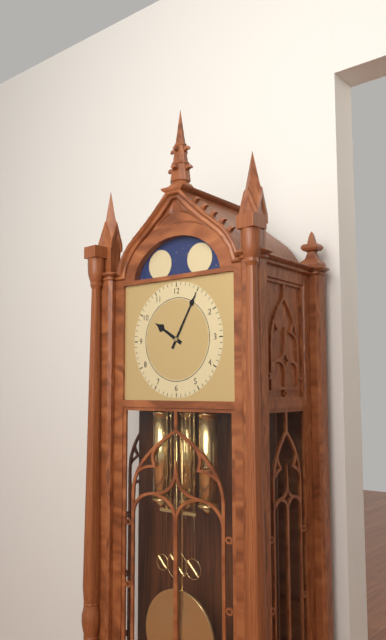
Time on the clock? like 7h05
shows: 10h05
